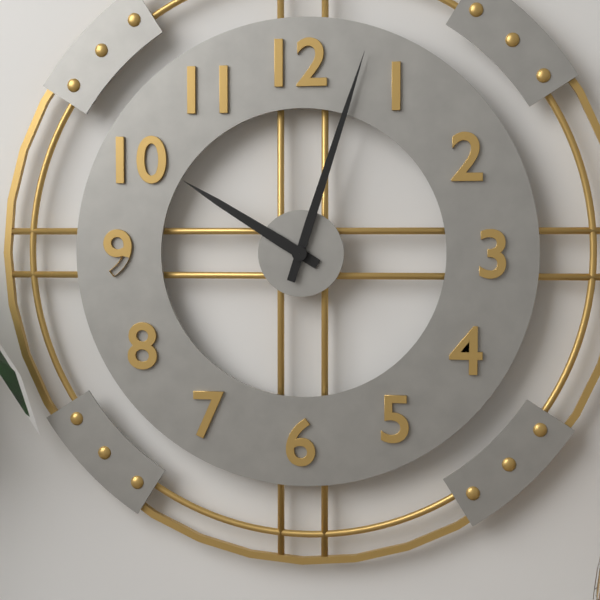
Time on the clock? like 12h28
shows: 10h03
